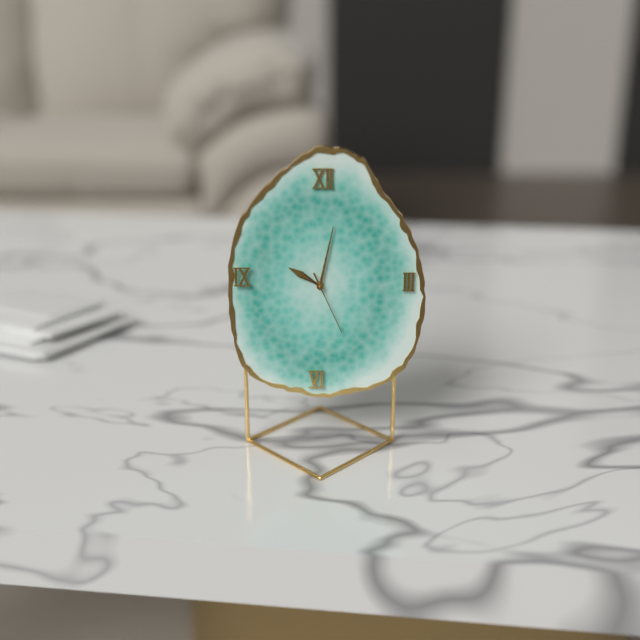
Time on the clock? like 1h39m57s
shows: 10h02m26s
